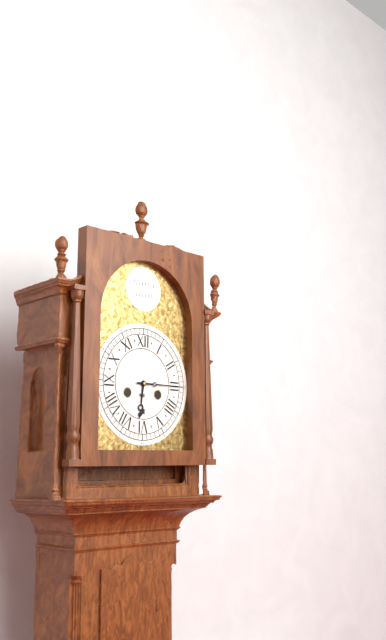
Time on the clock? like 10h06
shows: 6h15
